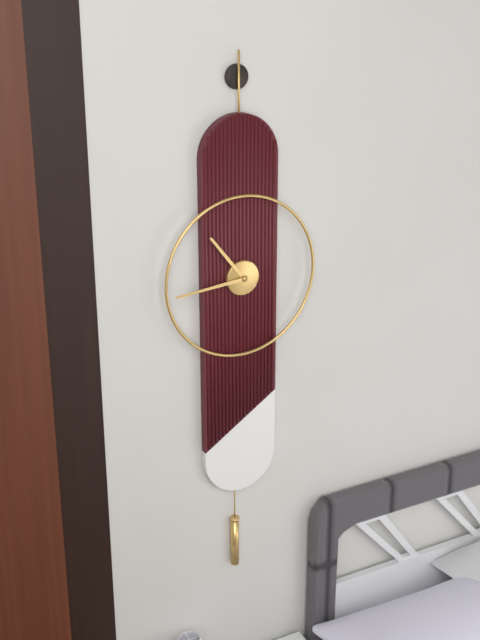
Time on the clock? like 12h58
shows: 10h44
